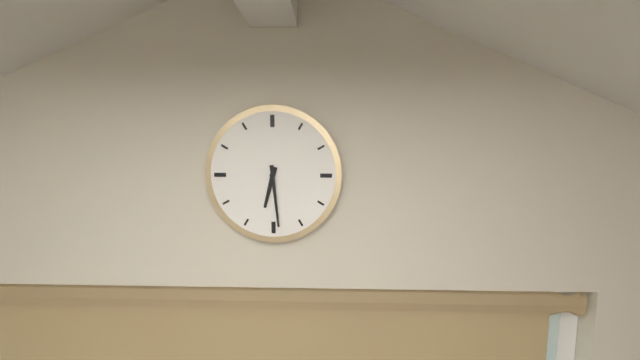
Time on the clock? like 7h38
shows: 6h29
